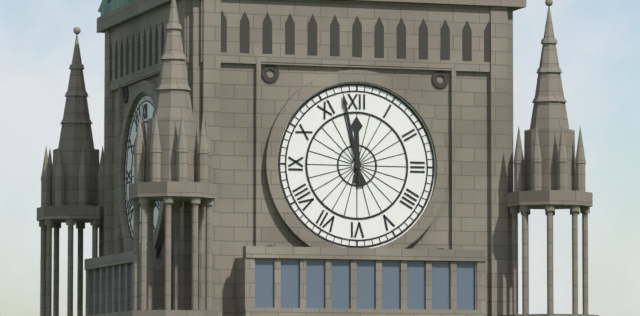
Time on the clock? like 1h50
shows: 11h58
